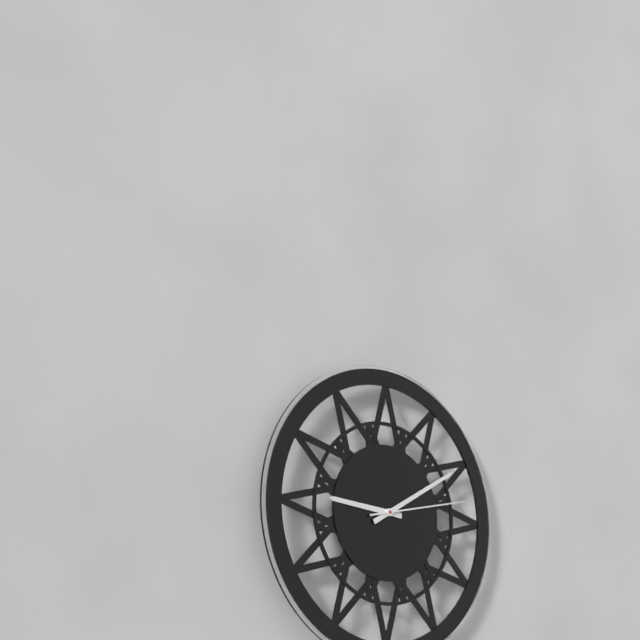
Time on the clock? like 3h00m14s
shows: 9h10m13s
